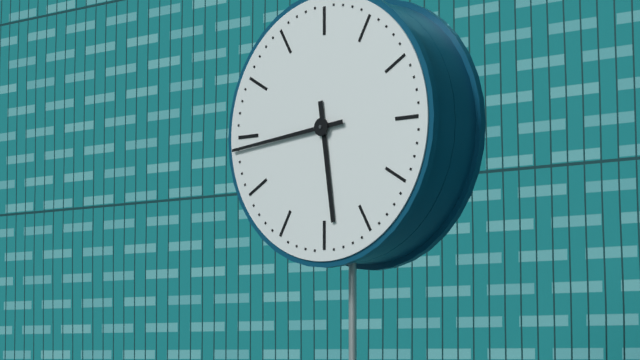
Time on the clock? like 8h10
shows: 5h44
